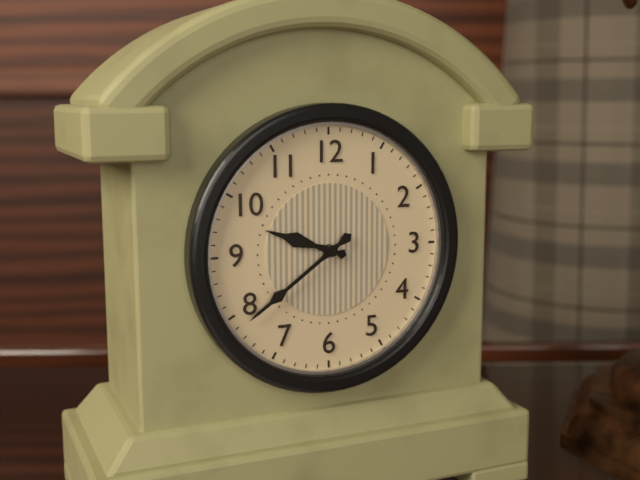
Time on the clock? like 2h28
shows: 9h39
